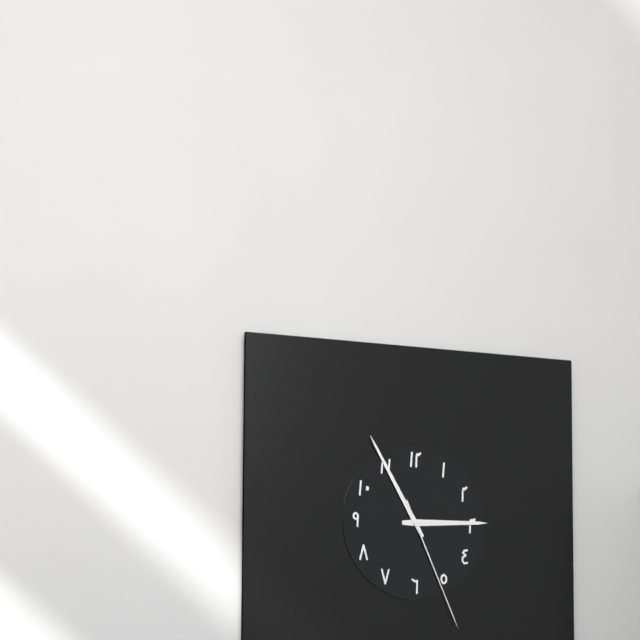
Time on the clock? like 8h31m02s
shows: 2h55m26s
